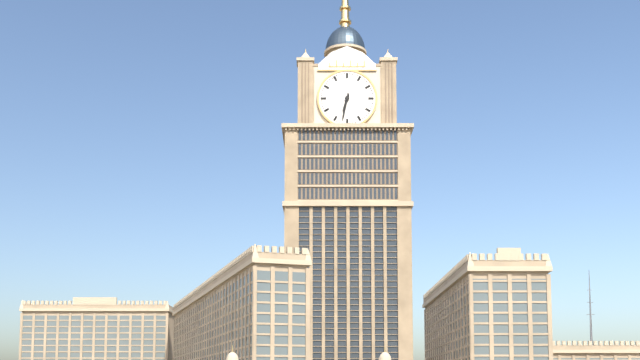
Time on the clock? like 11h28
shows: 6h32
